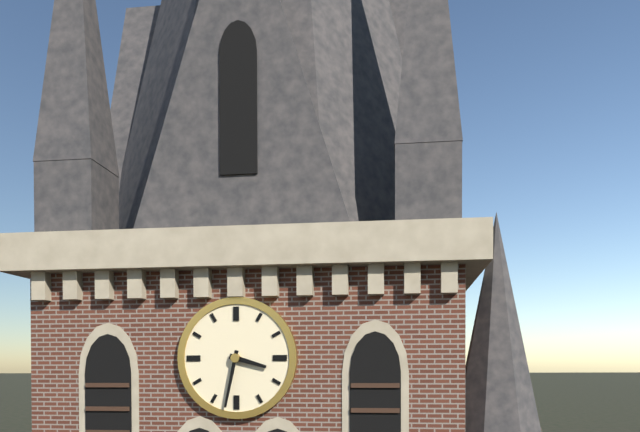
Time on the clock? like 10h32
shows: 3h32
